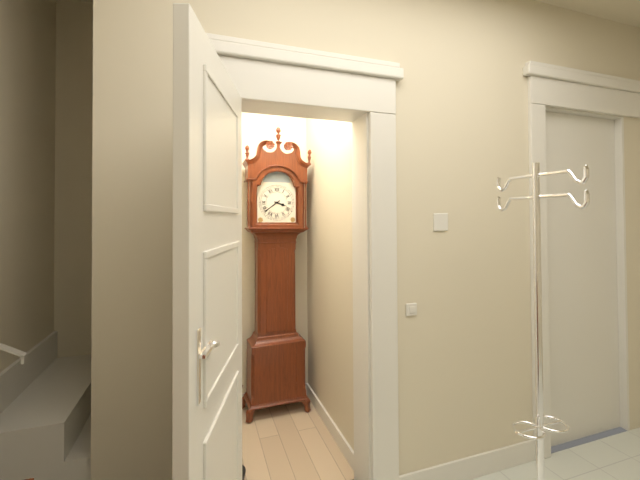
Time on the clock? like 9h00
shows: 3h39
